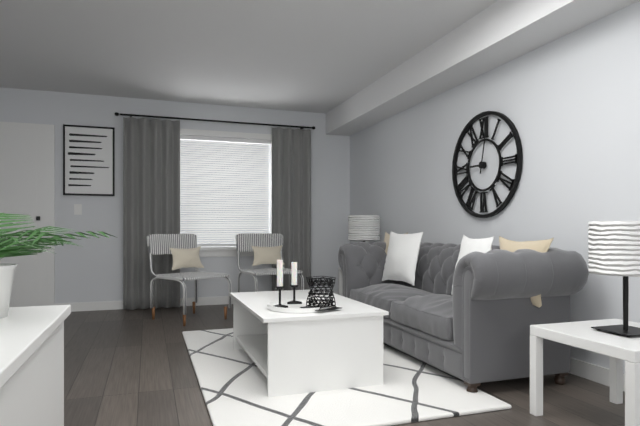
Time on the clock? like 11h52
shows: 9h02
